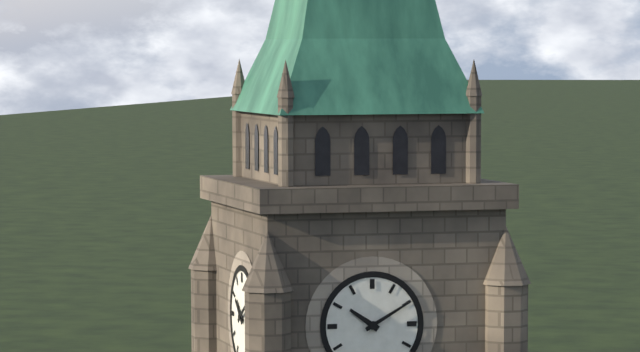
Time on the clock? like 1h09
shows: 10h10
